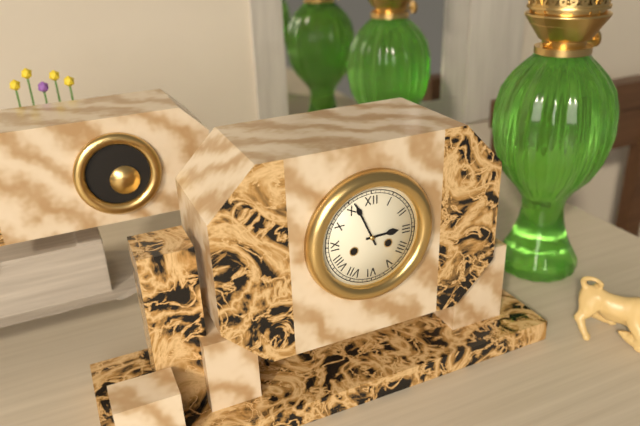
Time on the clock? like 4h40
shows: 2h56
